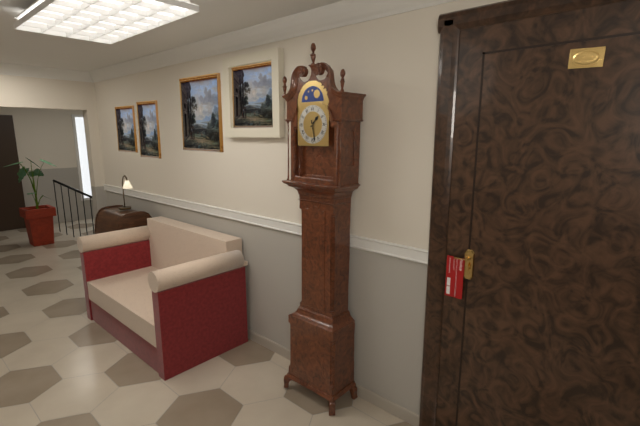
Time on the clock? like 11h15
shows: 1h28
